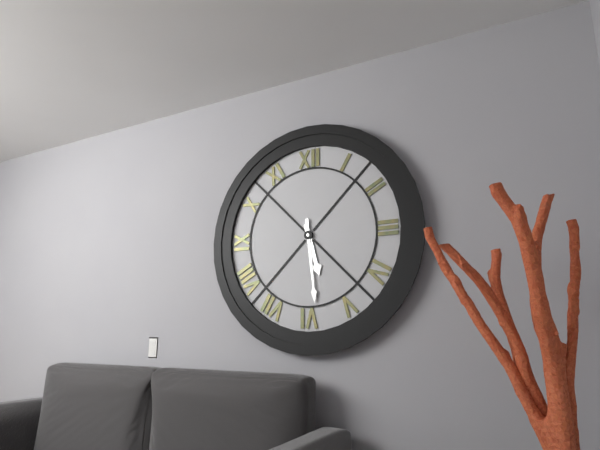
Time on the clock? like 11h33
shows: 5h29
